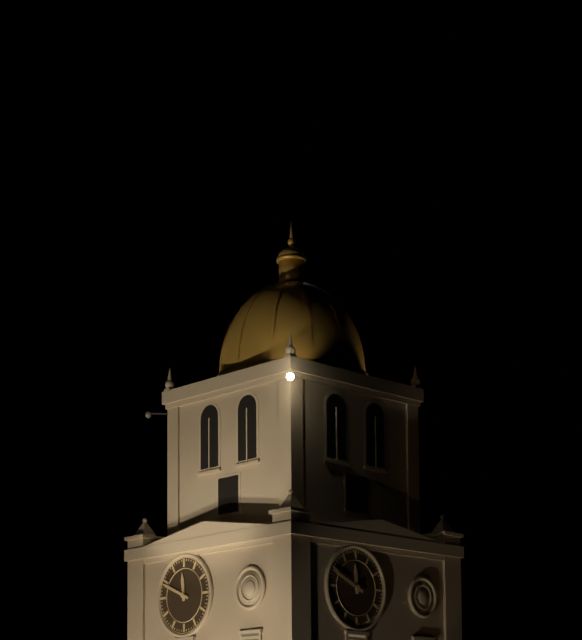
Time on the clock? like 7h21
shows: 11h49
